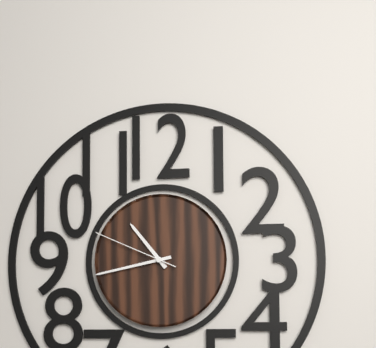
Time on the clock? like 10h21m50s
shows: 10h43m49s
